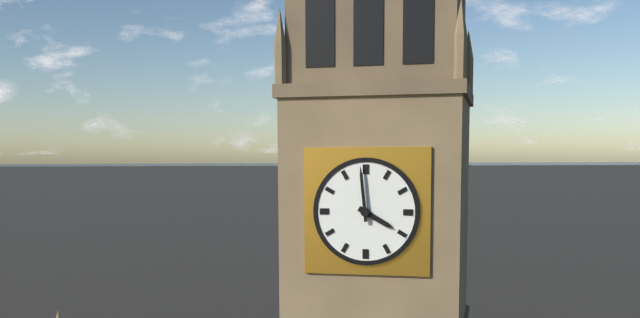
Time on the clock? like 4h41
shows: 3h59
